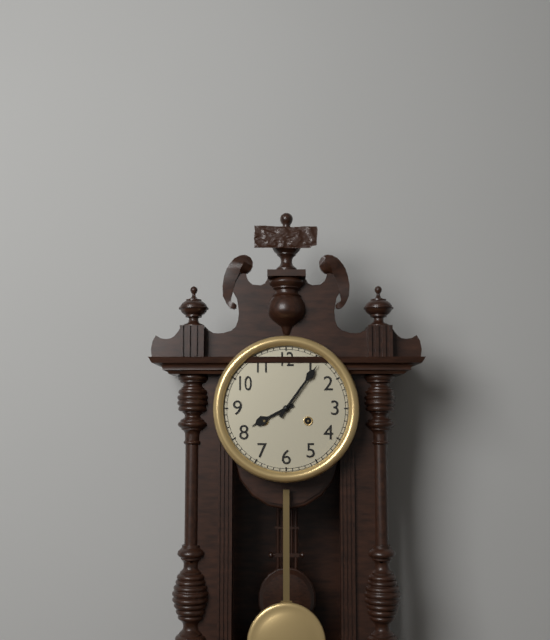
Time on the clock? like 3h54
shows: 8h06
